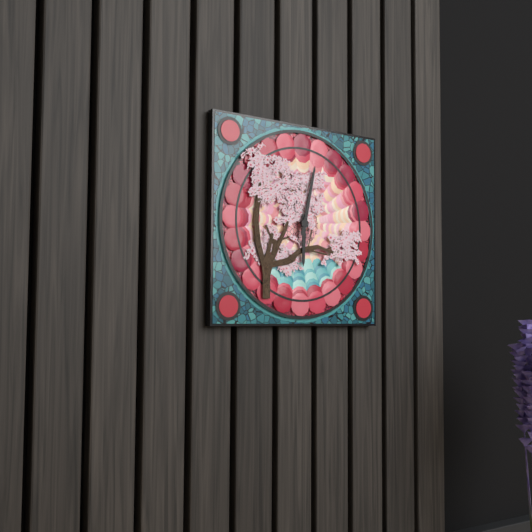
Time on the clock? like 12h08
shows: 6h02
